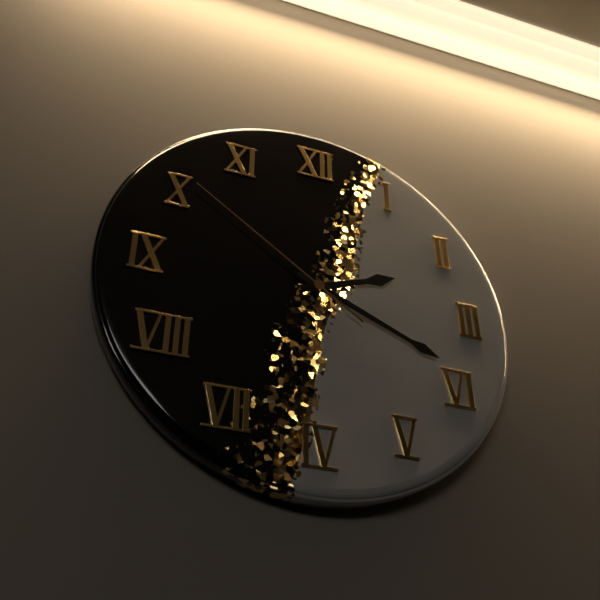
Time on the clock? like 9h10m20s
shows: 2h19m51s
